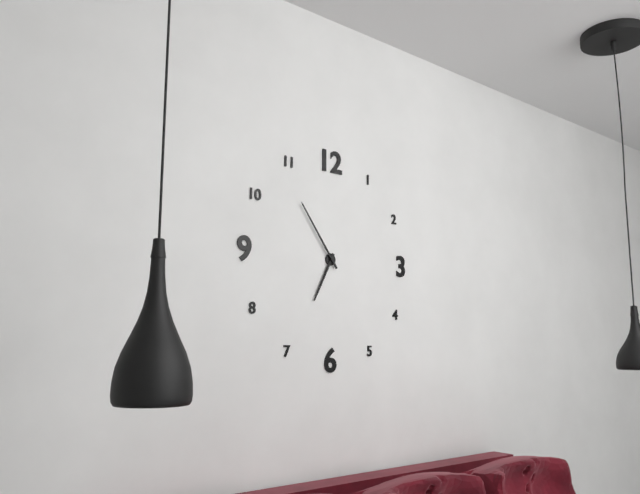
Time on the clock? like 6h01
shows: 6h54
